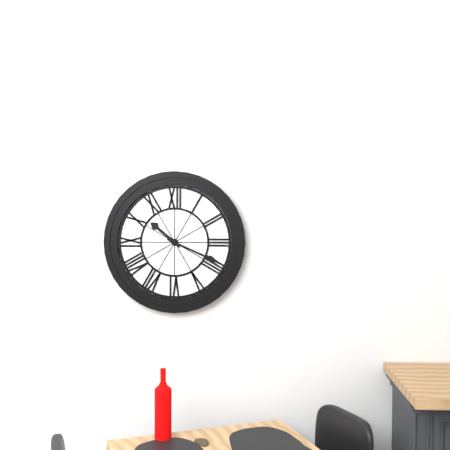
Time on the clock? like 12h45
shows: 10h19
